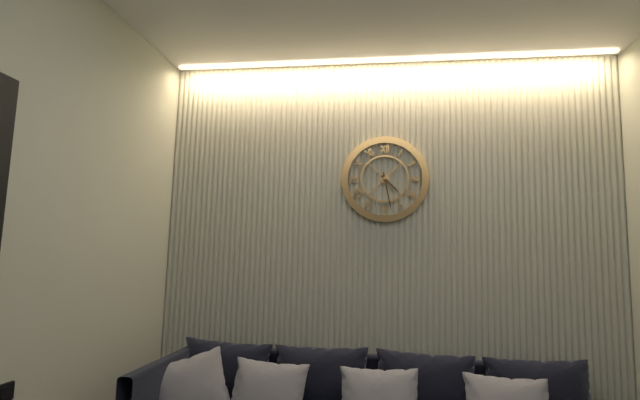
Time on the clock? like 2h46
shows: 4h28
